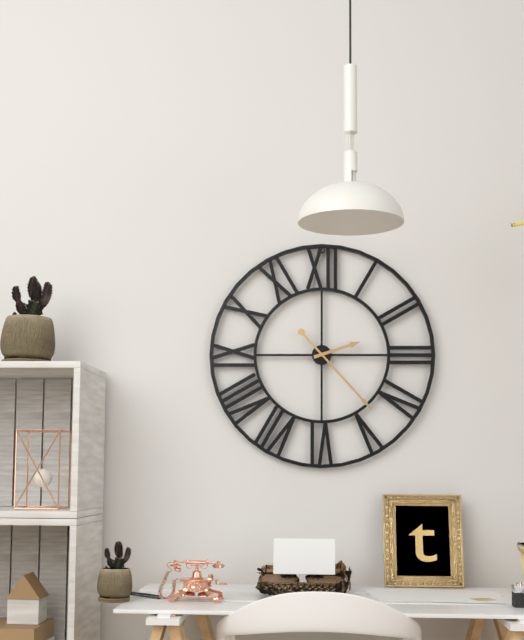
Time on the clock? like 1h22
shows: 2h23
